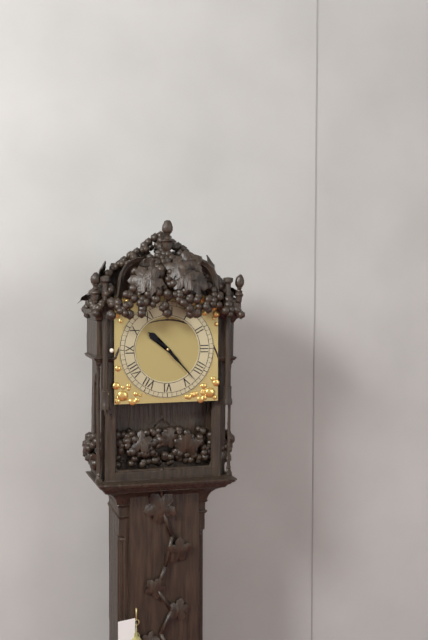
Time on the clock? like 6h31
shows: 10h23
